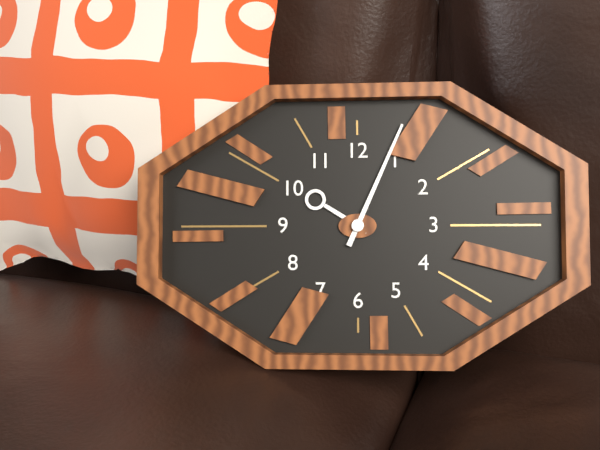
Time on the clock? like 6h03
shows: 10h04
